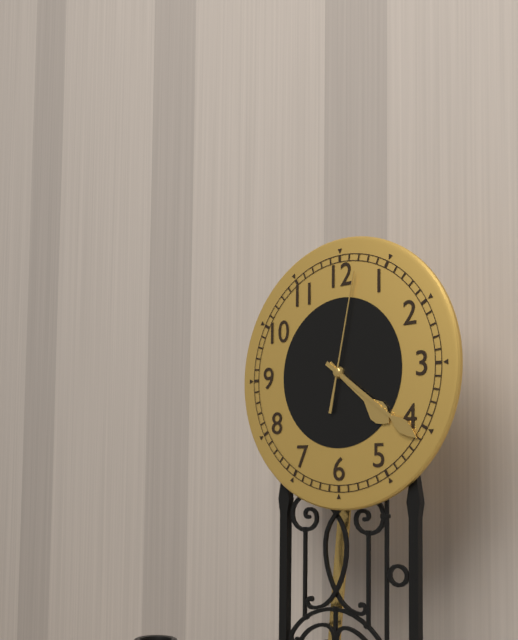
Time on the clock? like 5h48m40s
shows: 4h21m02s
